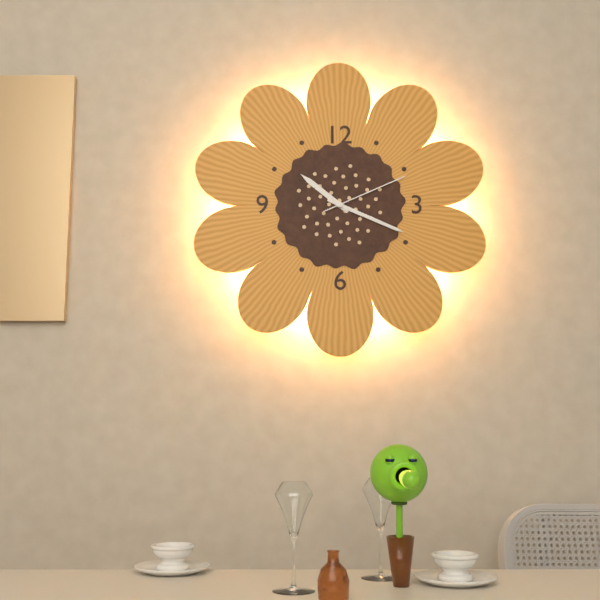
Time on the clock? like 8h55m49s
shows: 10h19m11s
